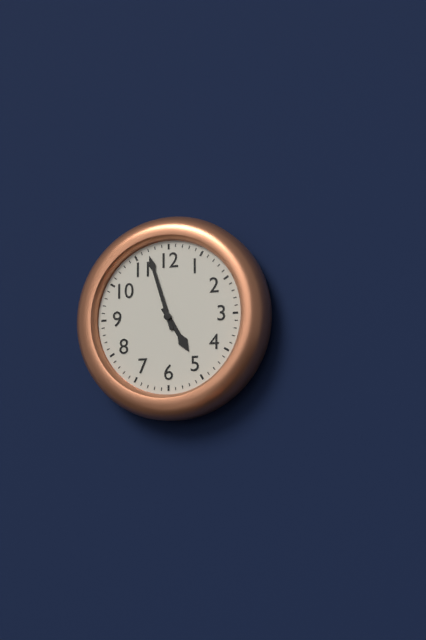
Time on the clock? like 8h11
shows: 4h57
